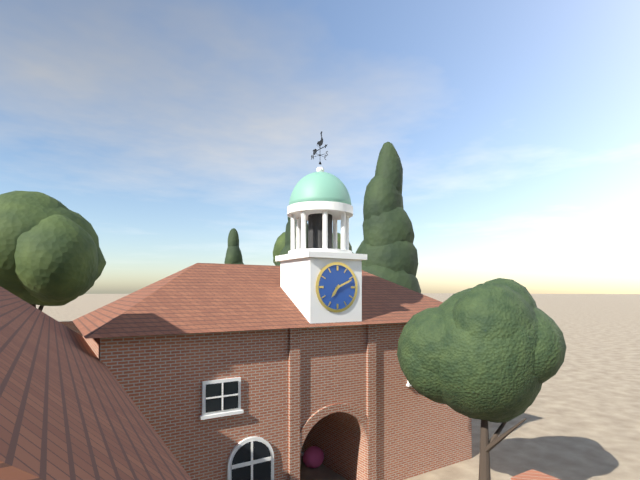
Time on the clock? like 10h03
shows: 7h11
